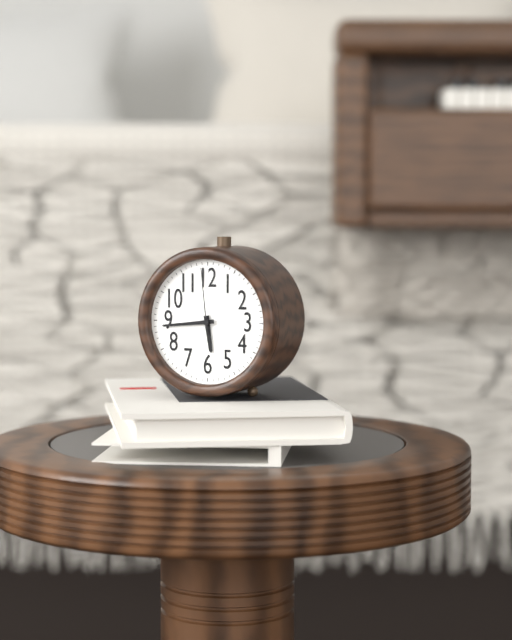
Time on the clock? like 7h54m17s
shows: 5h44m59s
